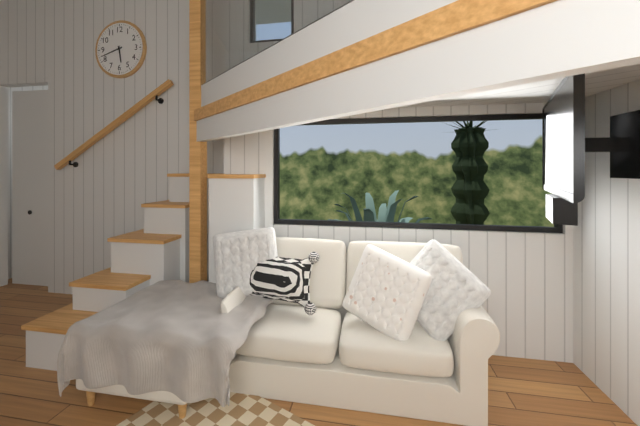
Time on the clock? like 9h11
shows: 5h42
